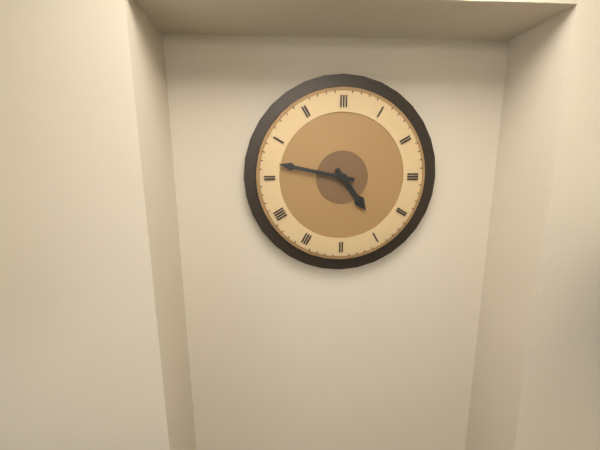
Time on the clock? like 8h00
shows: 4h47
